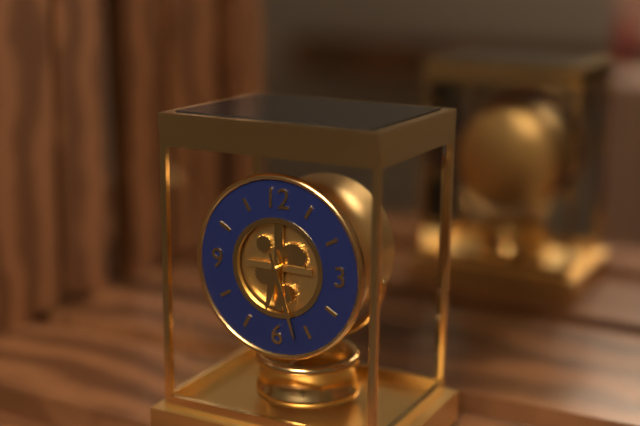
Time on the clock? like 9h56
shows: 6h27
